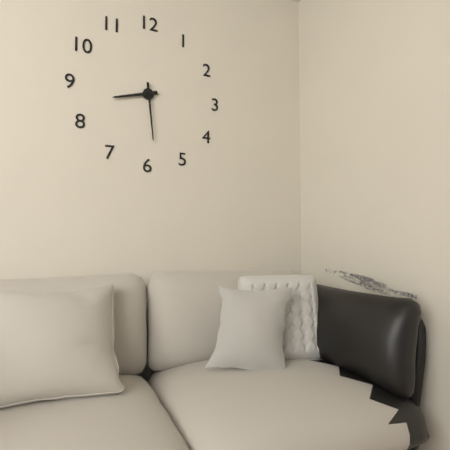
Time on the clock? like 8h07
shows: 8h29
